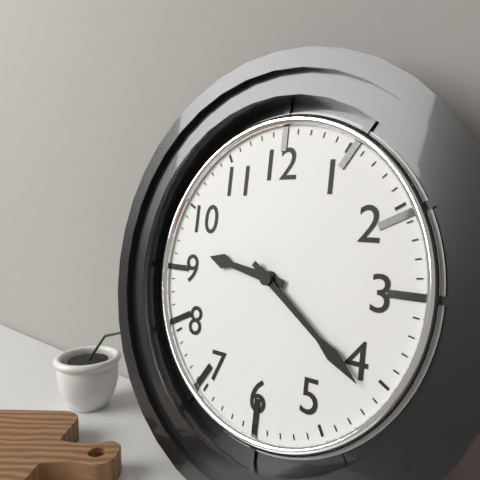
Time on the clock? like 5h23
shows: 9h21
